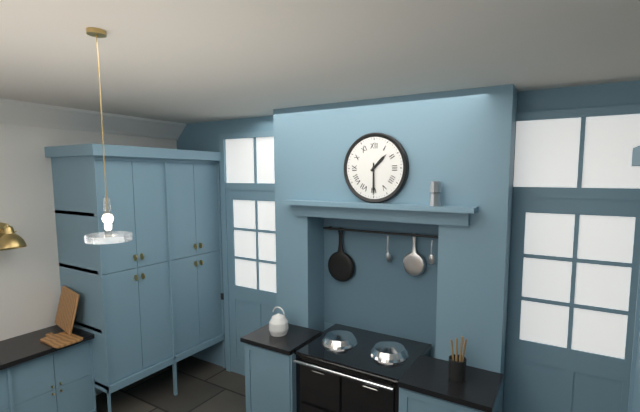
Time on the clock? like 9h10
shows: 1h30
